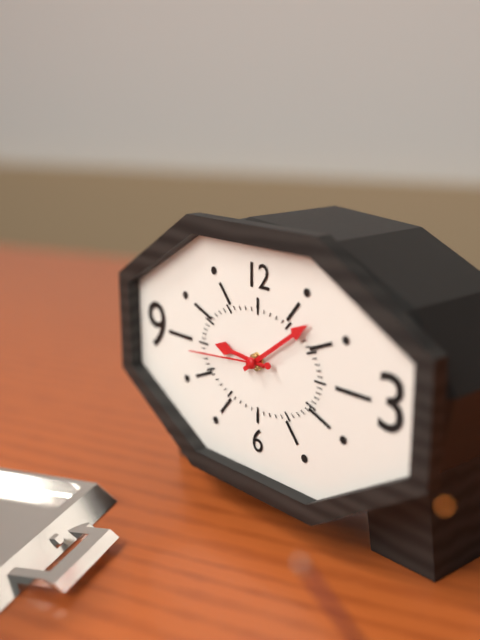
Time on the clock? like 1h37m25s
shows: 9h09m44s
